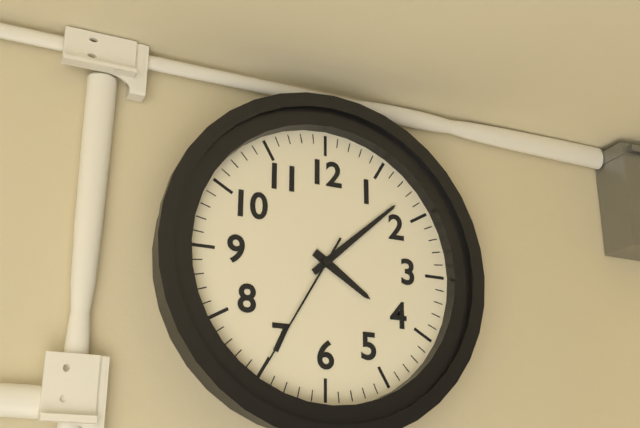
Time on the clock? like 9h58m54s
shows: 4h08m35s
